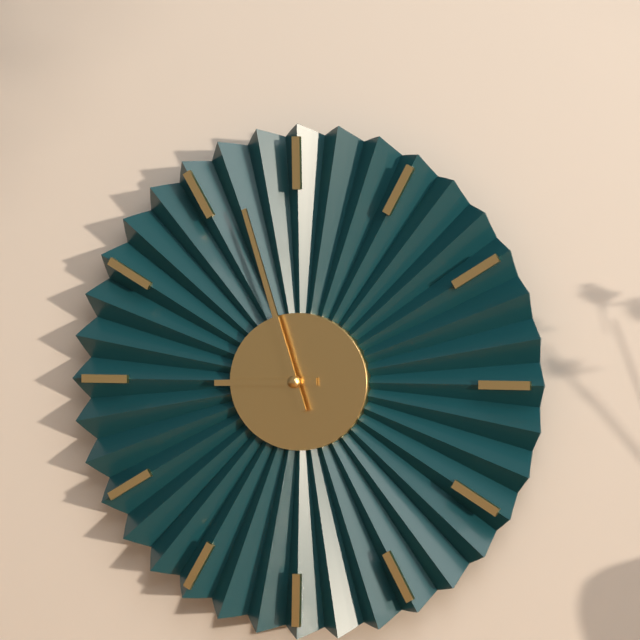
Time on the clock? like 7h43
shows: 8h57
